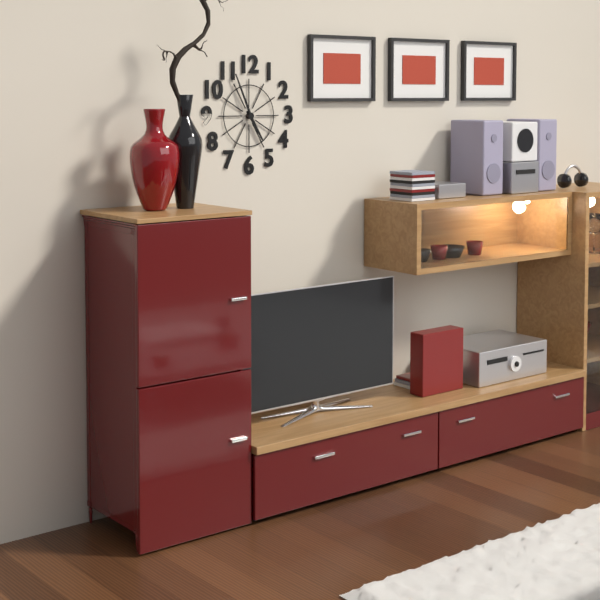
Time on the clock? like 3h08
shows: 4h56
